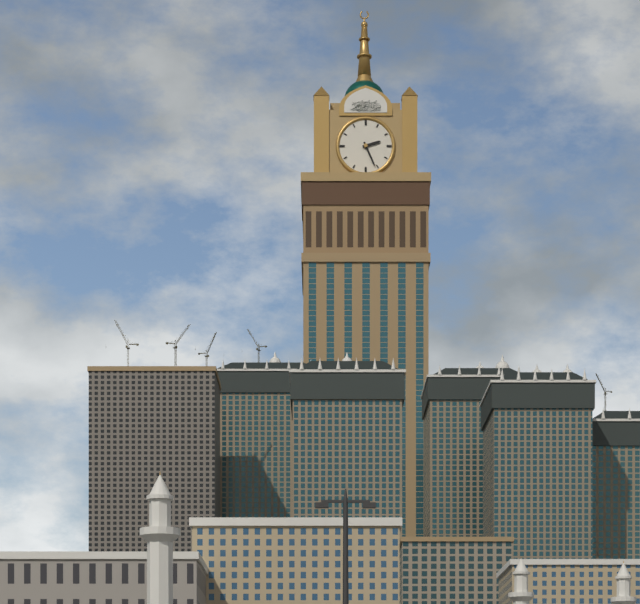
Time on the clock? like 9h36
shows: 2h26
